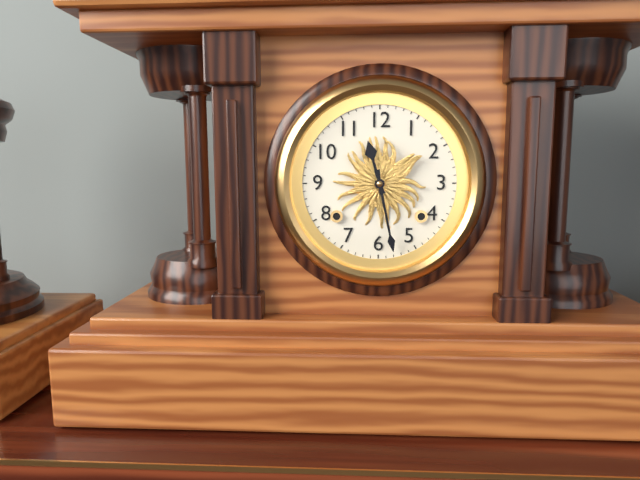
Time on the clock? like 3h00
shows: 11h28
